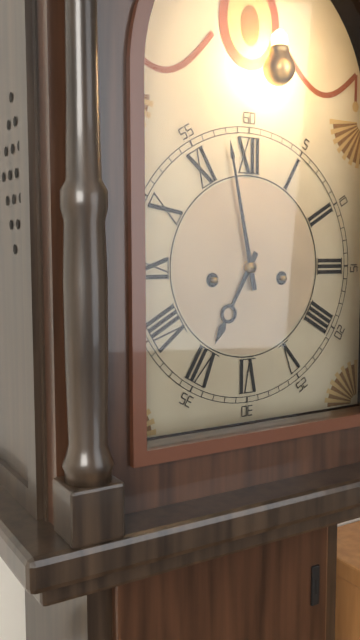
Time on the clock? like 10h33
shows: 6h58
